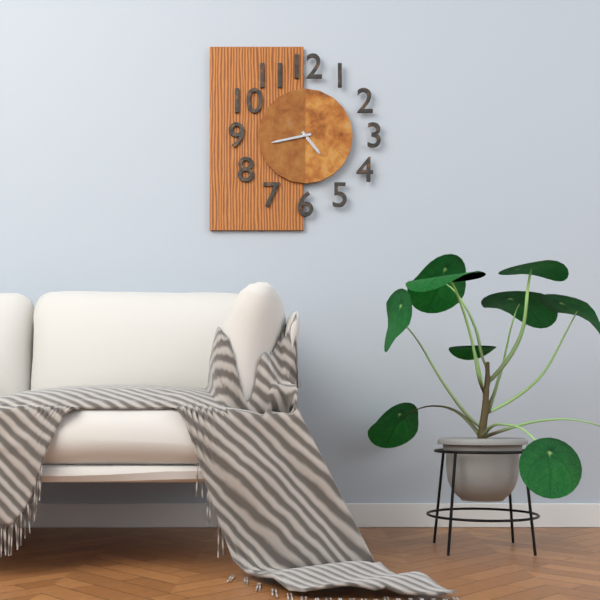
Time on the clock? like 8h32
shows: 4h43
